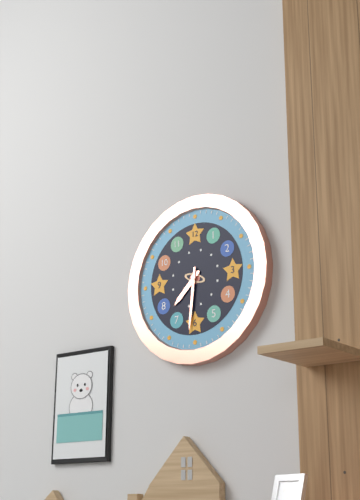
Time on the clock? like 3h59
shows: 7h31
